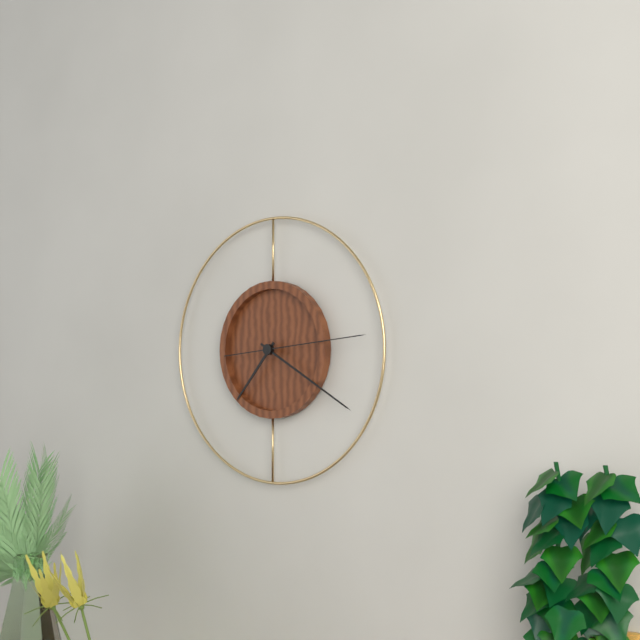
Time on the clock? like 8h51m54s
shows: 7h20m14s
